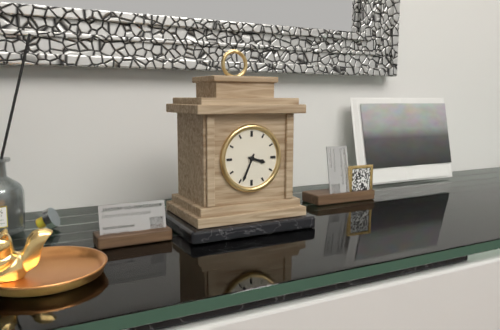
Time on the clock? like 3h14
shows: 3h34
